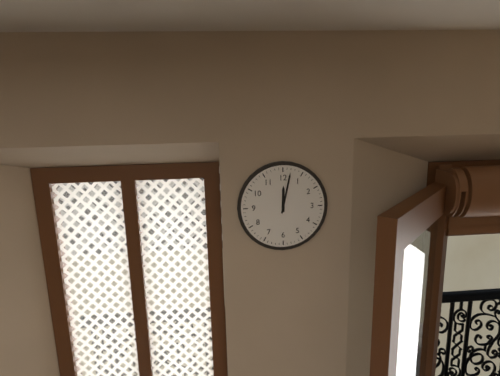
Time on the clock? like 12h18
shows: 12h02
